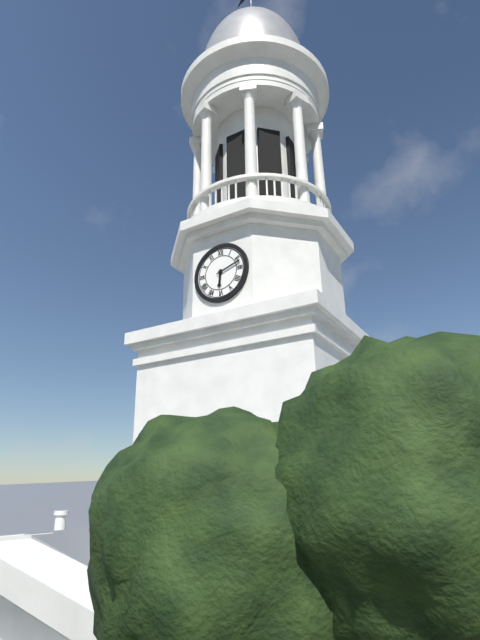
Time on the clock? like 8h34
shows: 6h12
